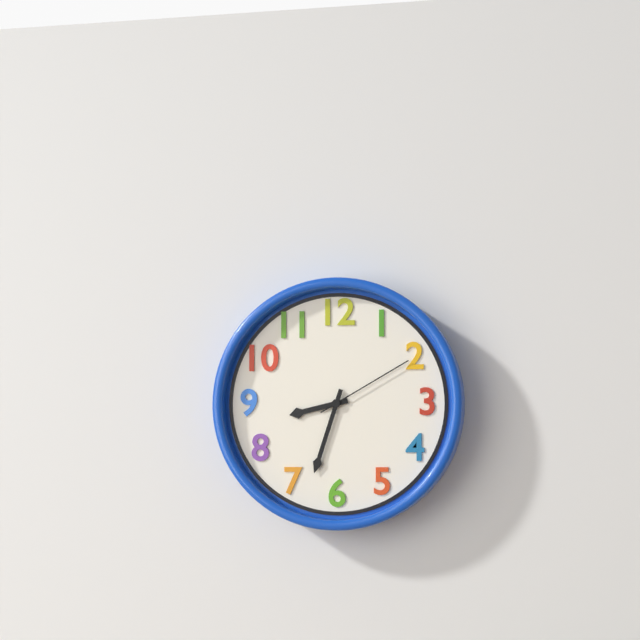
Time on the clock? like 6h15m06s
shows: 8h33m10s
